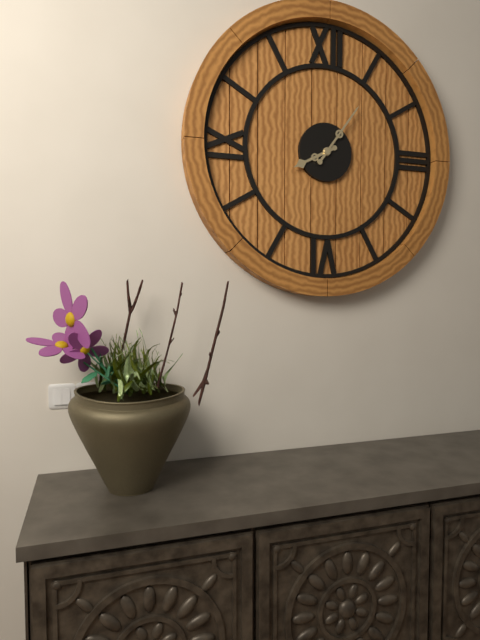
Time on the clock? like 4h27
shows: 8h06
